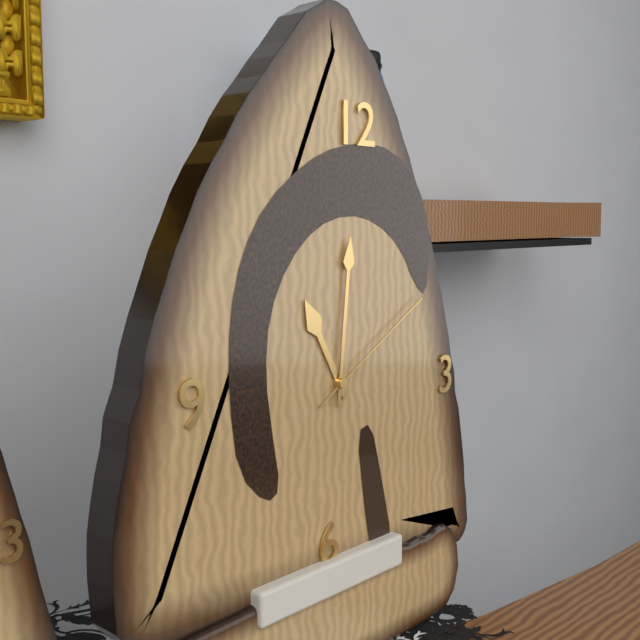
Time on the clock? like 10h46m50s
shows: 11h01m10s
